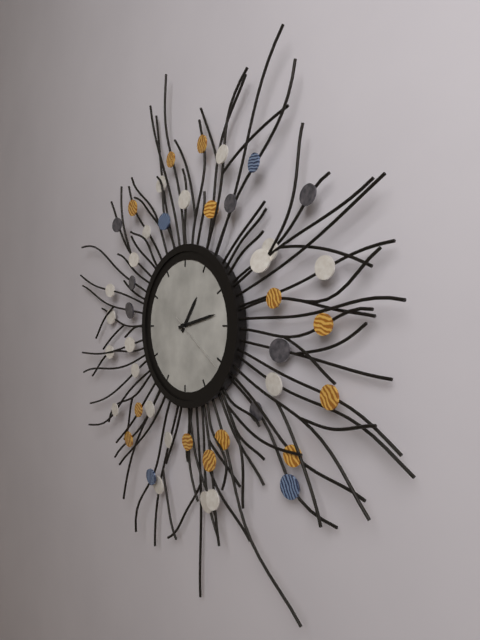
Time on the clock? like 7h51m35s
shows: 1h13m21s
